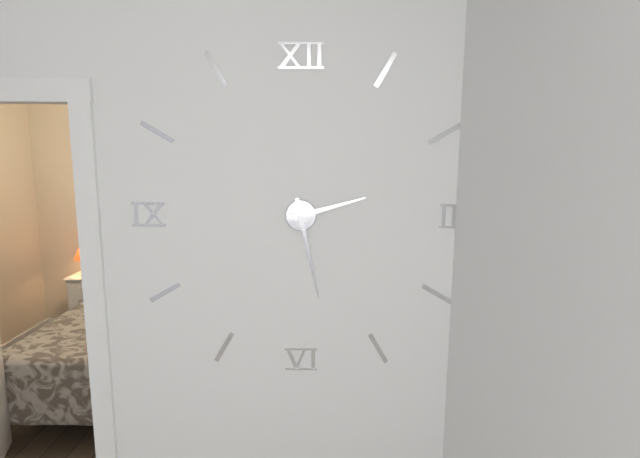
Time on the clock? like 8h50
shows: 2h28
